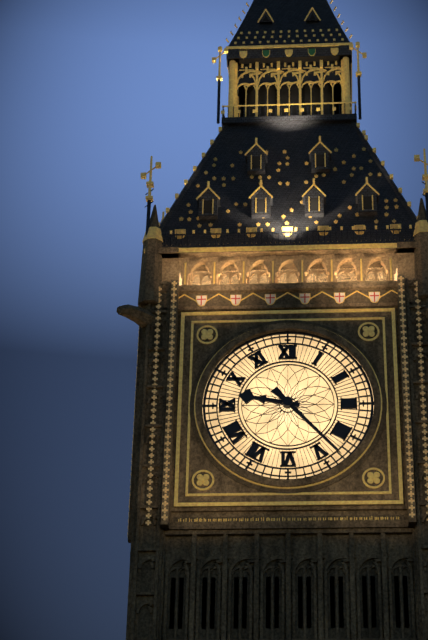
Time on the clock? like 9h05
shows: 9h23
